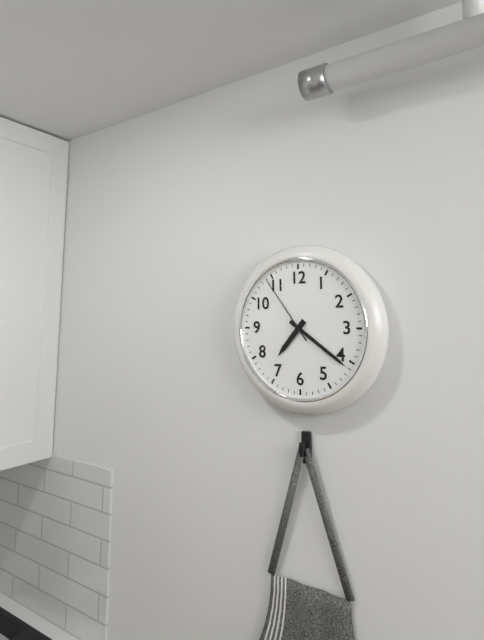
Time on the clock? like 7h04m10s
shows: 7h21m54s
